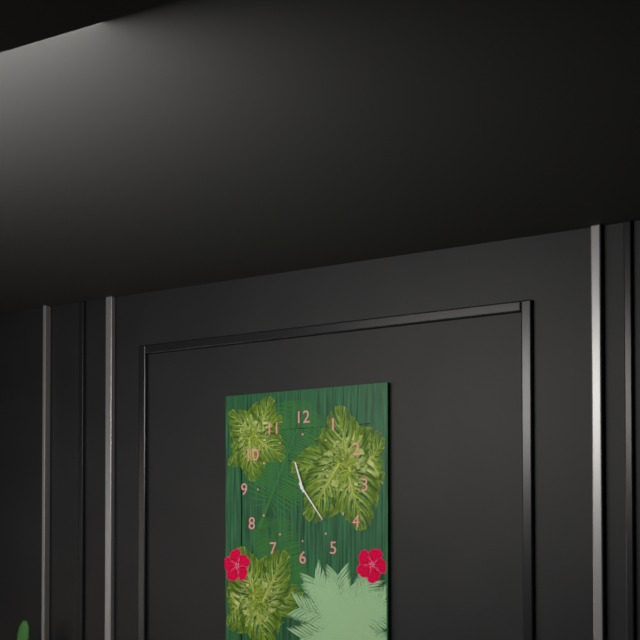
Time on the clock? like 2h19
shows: 11h24
